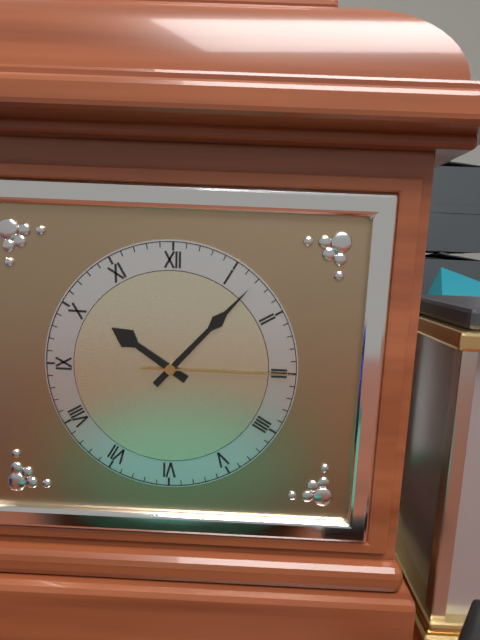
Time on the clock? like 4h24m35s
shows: 10h07m15s
